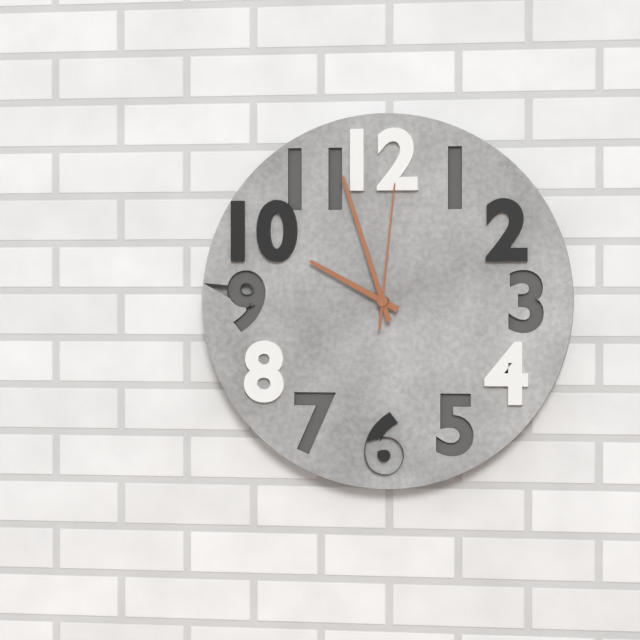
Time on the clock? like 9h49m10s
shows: 9h57m01s
